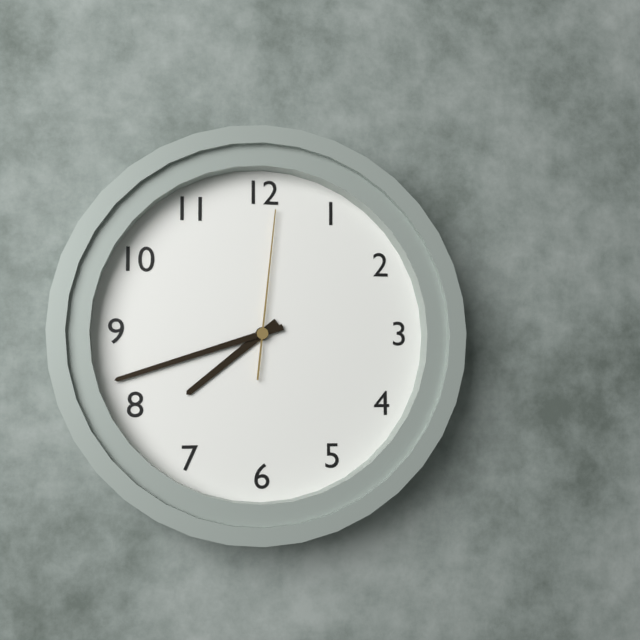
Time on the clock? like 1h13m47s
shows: 7h42m01s
